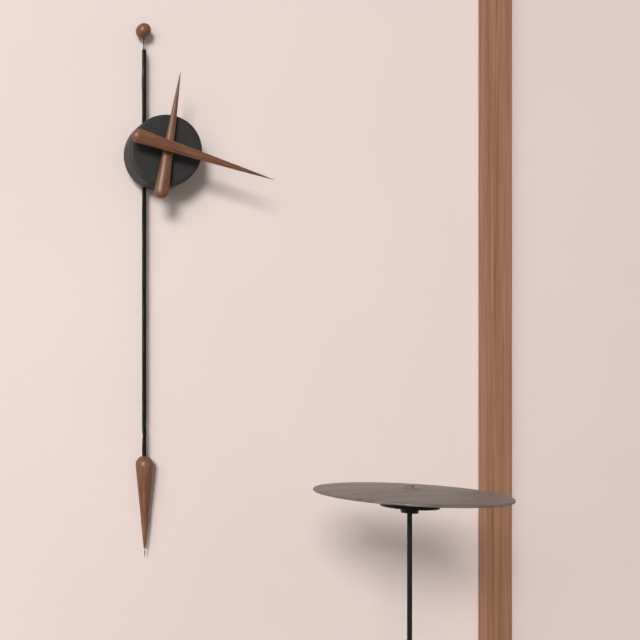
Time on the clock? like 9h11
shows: 12h18
